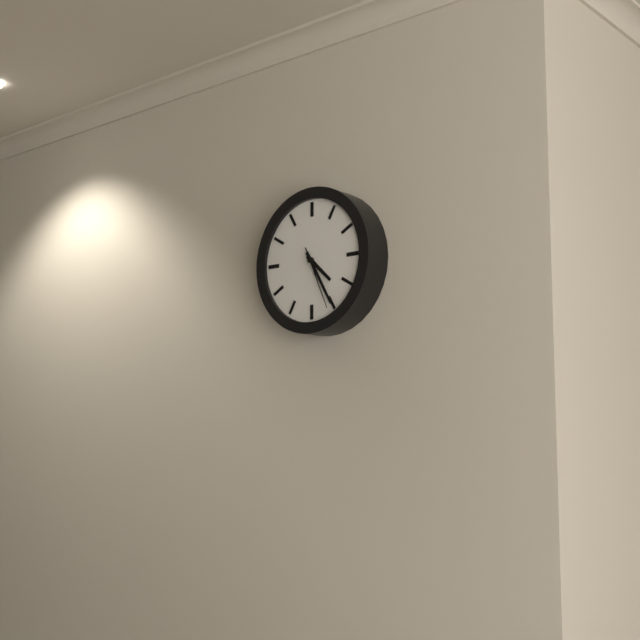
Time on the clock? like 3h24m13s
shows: 4h25m26s
